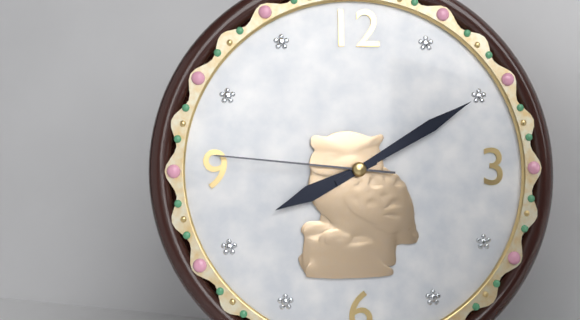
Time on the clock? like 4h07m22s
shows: 8h10m46s
